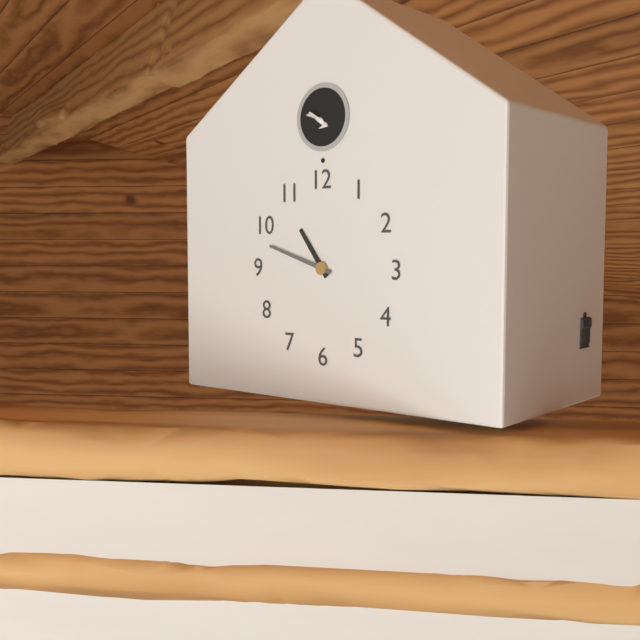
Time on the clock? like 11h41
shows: 10h48
